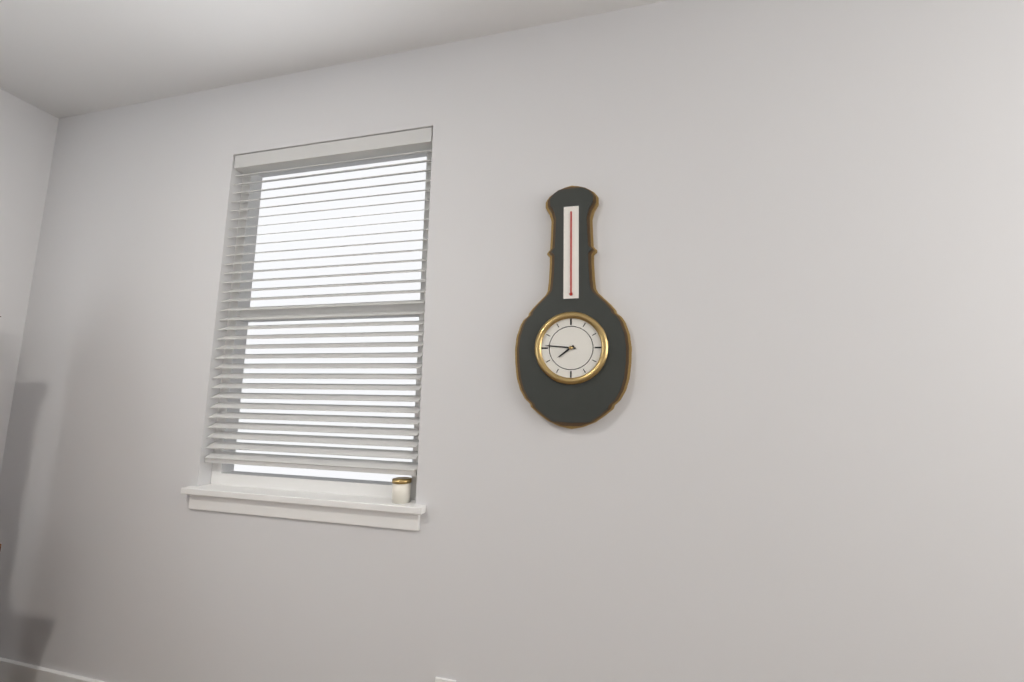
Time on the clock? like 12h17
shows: 7h46
